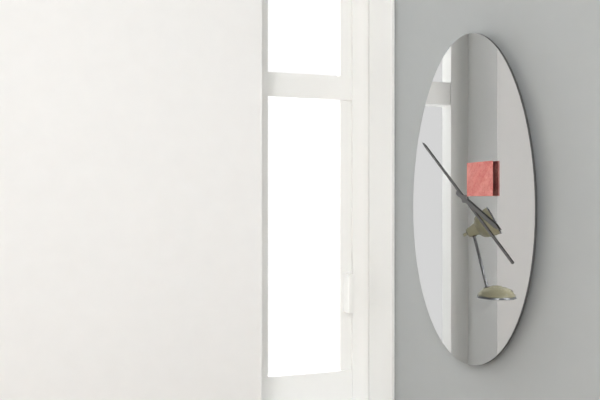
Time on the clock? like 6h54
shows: 3h51
